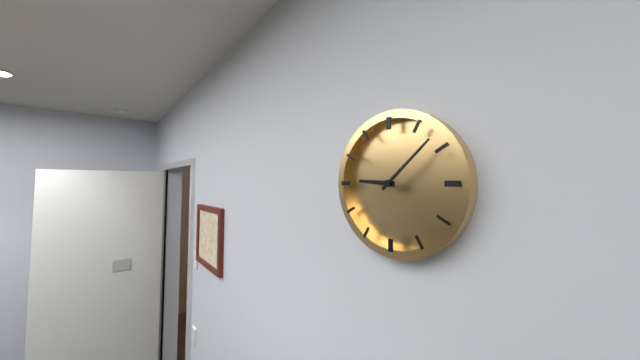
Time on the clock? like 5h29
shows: 9h08
